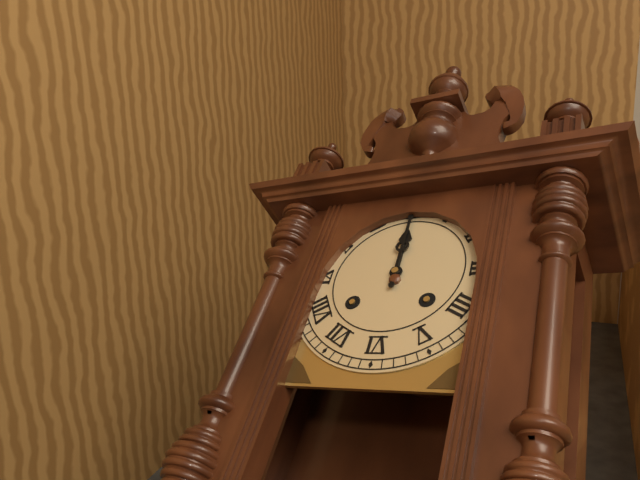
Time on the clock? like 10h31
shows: 12h00
